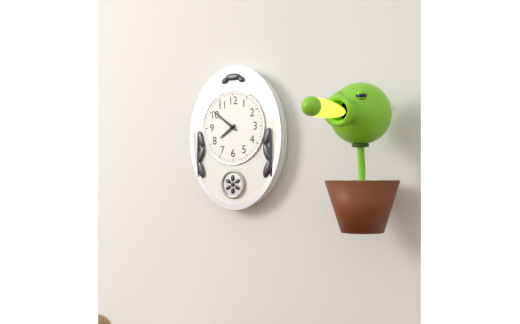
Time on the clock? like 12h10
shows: 7h51
